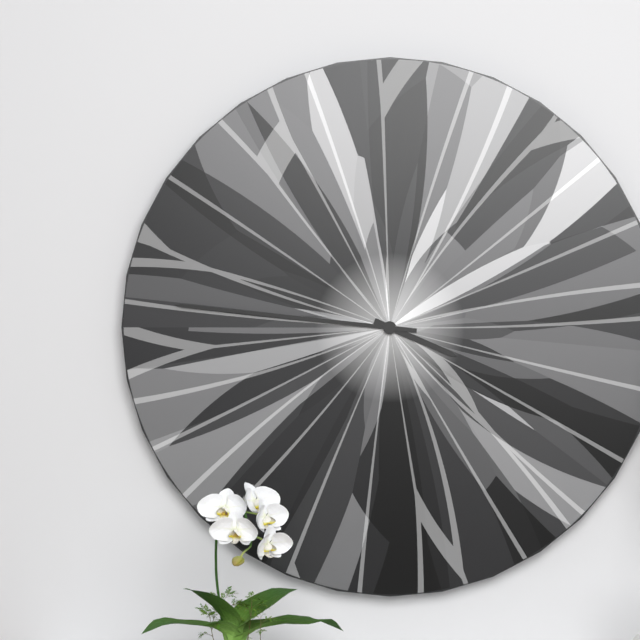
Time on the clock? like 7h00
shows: 3h46
